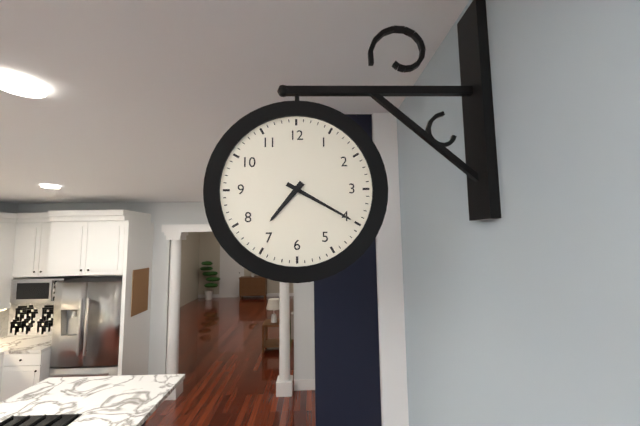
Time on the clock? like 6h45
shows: 7h20
